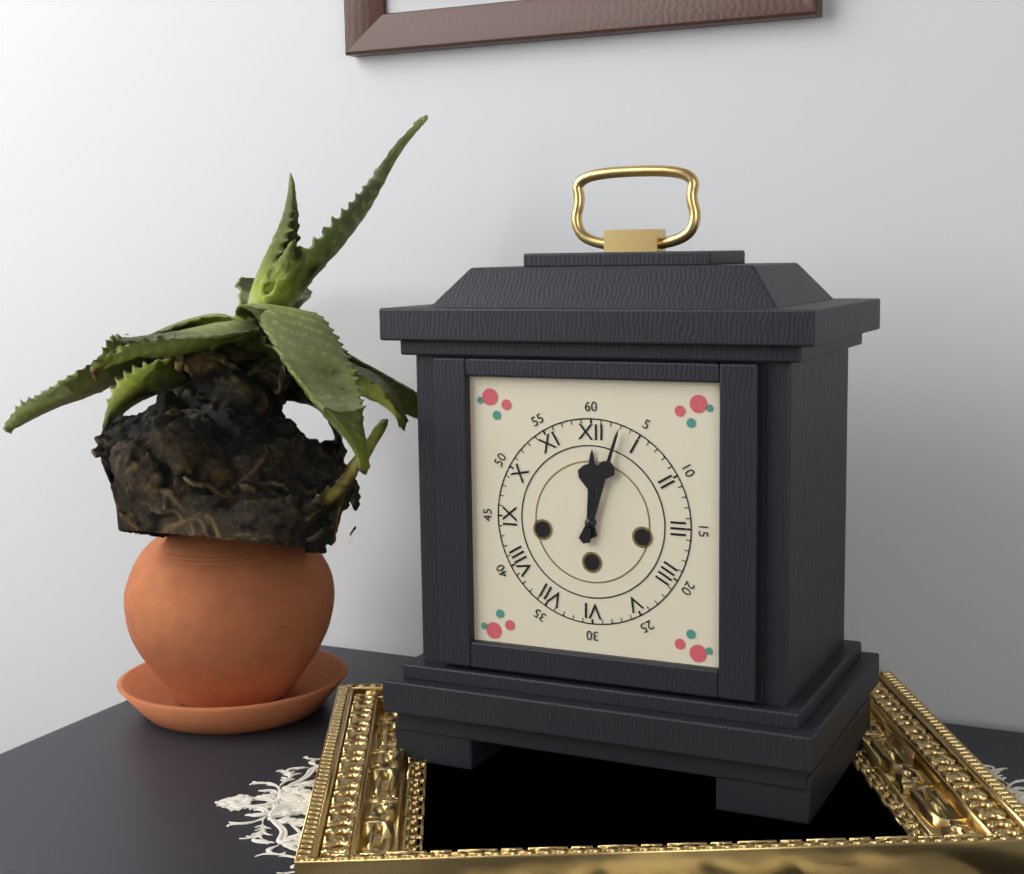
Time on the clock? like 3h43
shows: 12h03
